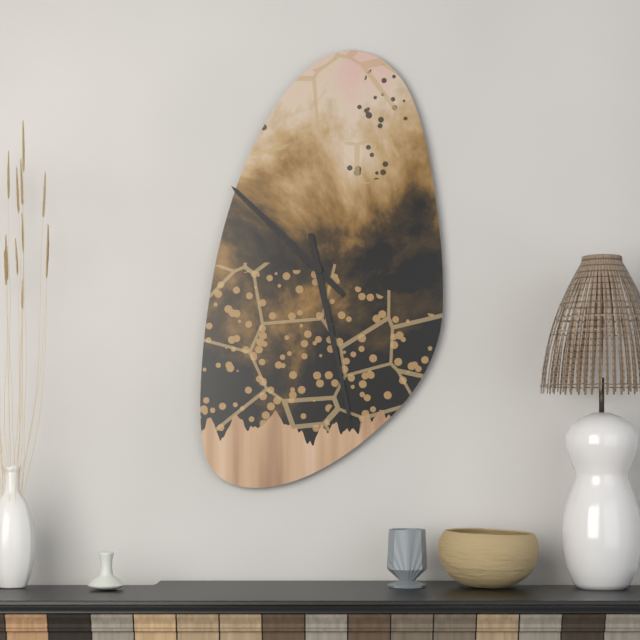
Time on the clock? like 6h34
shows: 10h28
